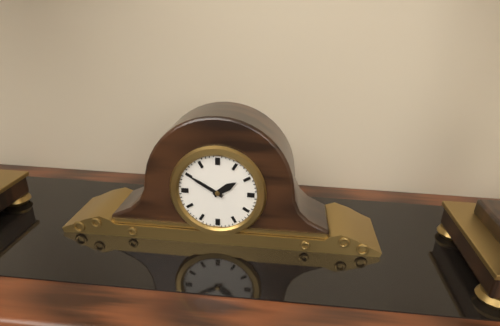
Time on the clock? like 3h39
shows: 1h50
